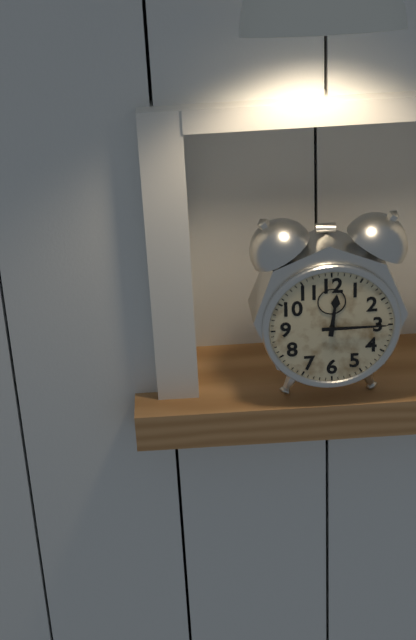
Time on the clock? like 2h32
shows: 12h15
